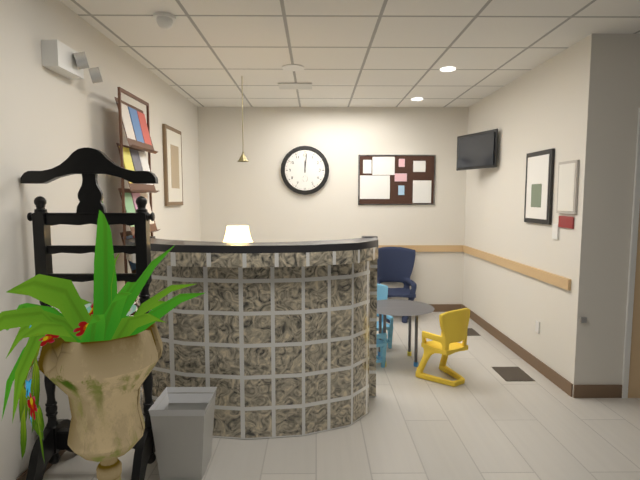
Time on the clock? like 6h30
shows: 12h01
